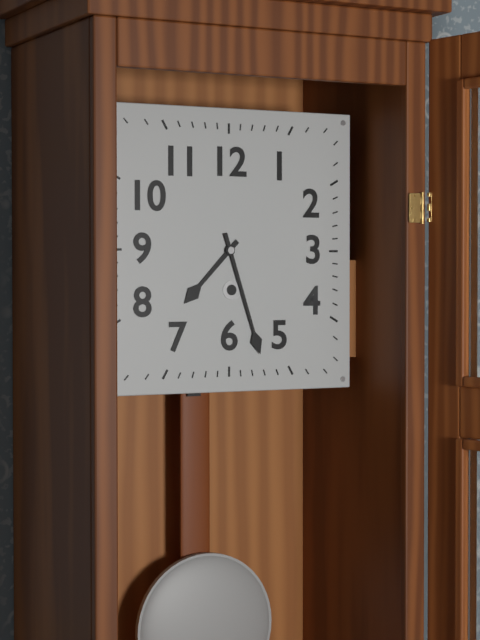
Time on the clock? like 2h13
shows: 7h27
